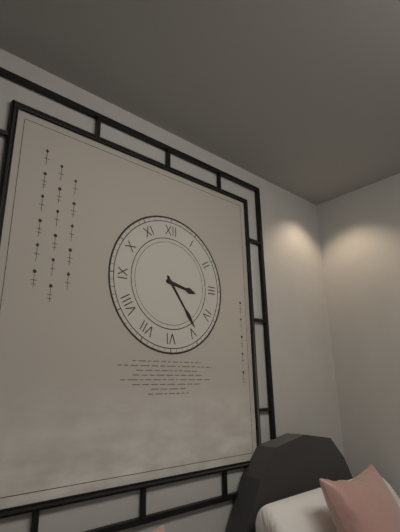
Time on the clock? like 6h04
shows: 3h24
